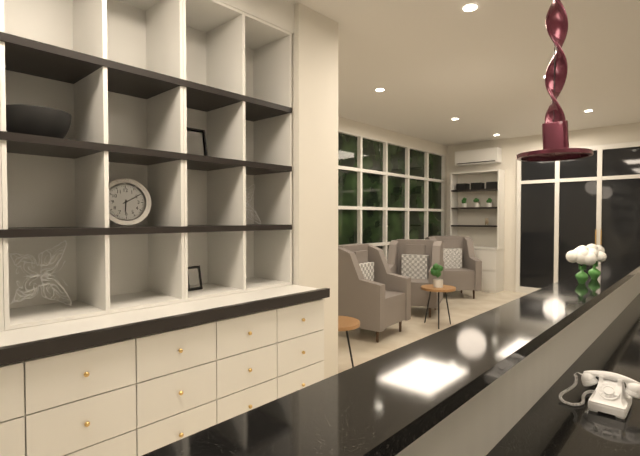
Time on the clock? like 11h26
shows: 6h10
